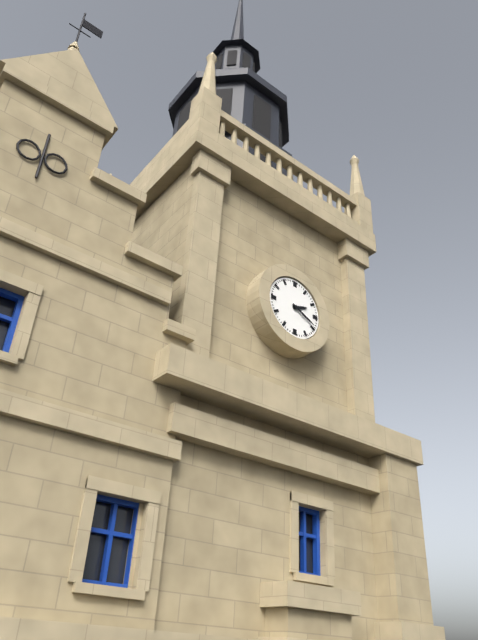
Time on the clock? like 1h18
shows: 2h19
